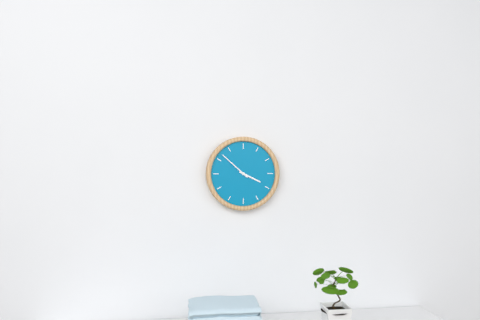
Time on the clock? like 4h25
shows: 3h52
